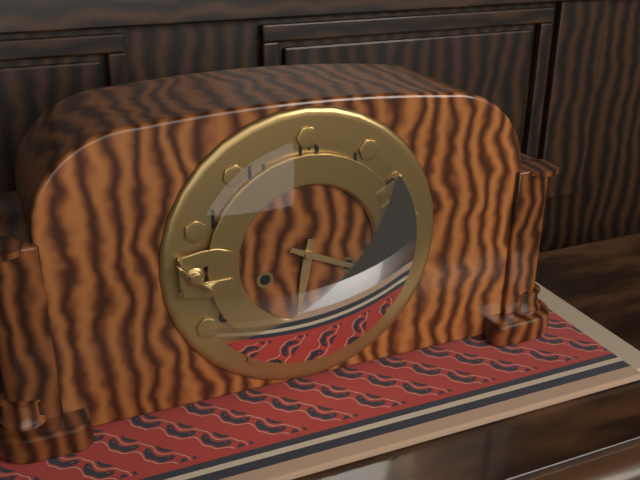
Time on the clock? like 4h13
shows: 6h19
